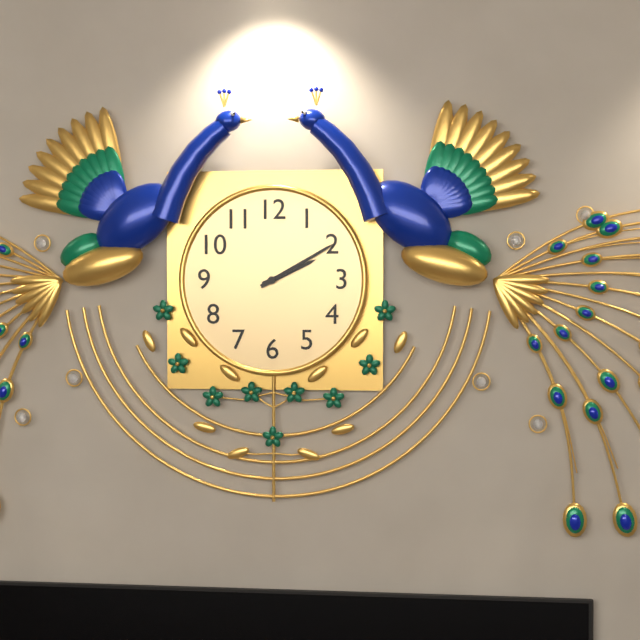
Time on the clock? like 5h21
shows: 2h10
